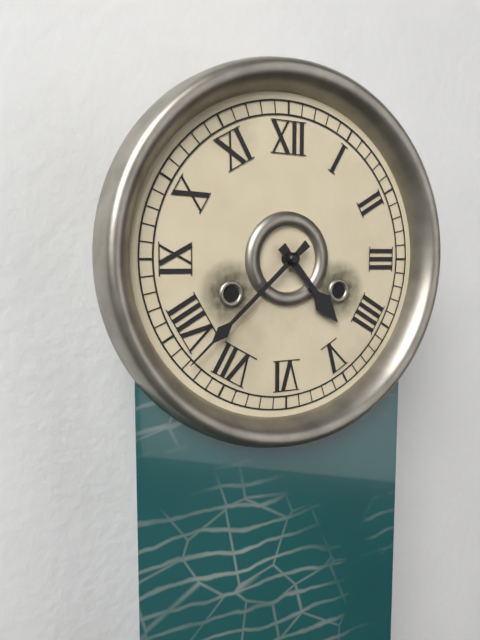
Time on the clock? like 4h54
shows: 4h38
